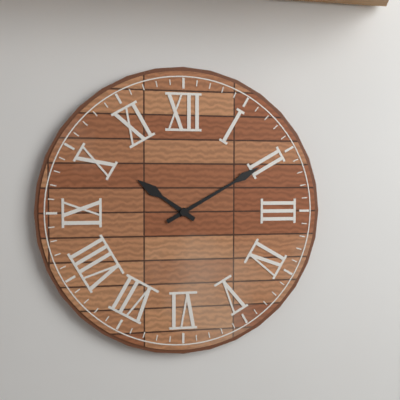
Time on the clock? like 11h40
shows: 10h10
